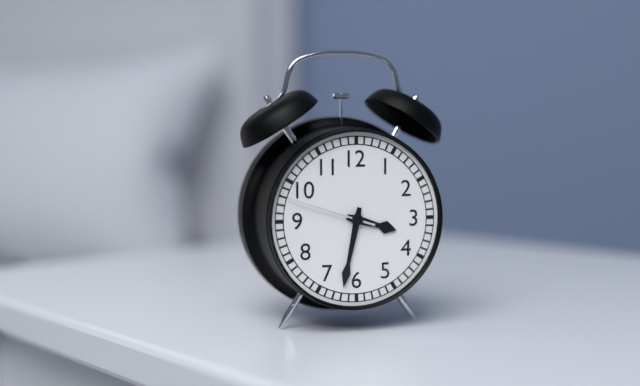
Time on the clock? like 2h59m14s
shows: 3h32m48s
